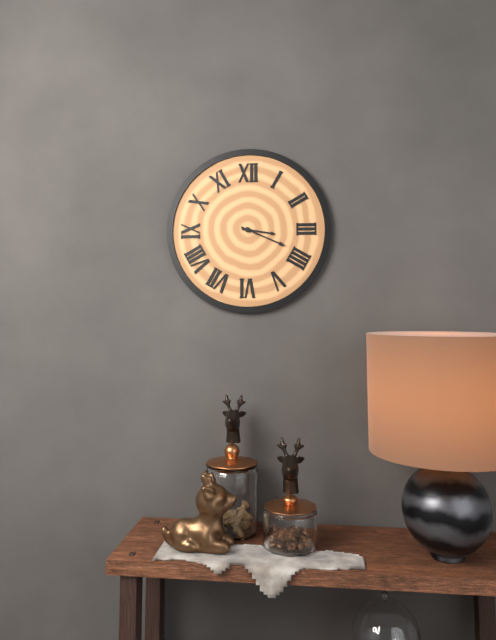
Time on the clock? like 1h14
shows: 3h19
